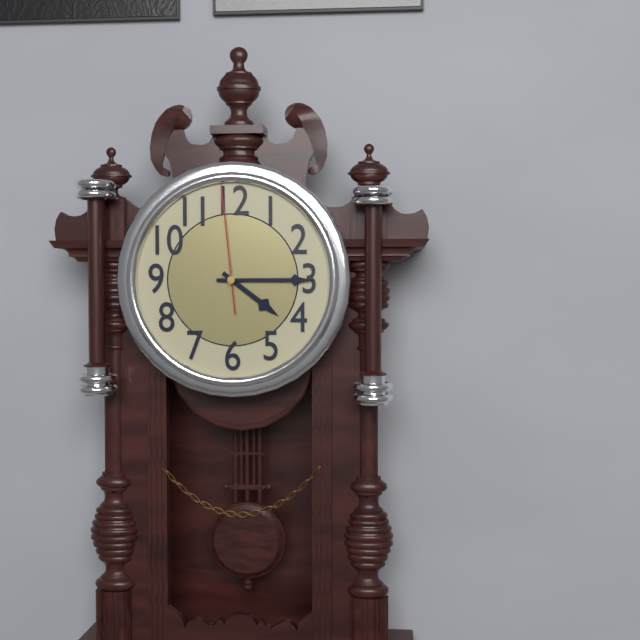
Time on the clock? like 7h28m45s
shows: 4h15m59s
